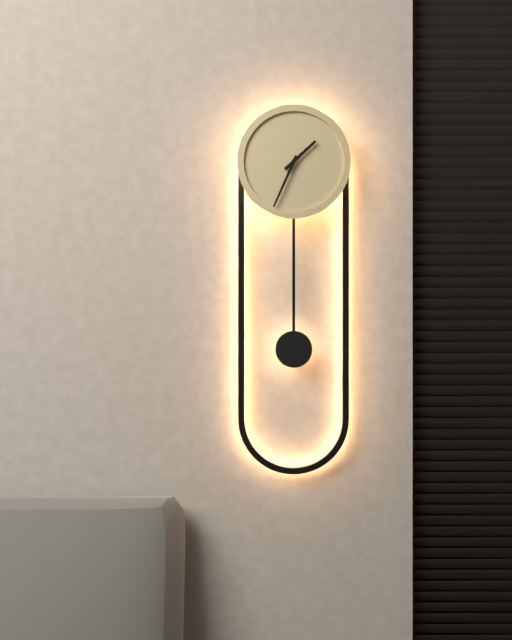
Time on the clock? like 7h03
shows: 1h34
